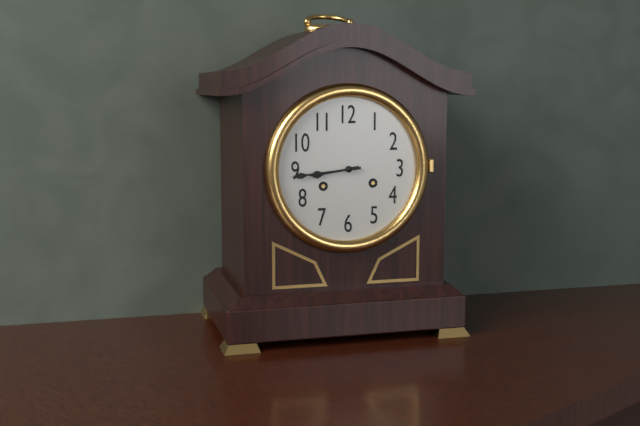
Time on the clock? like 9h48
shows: 8h44
